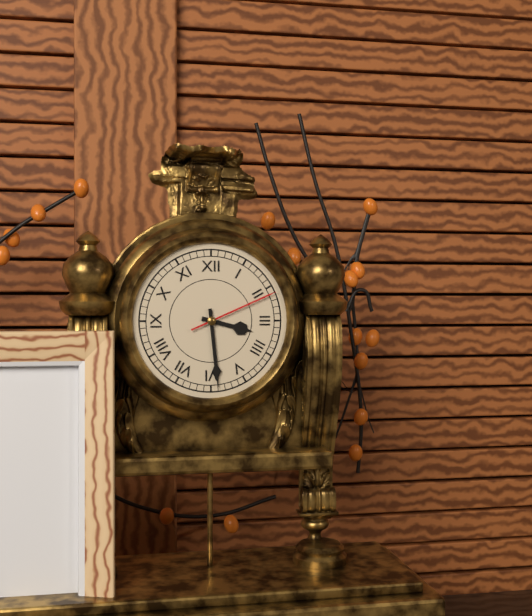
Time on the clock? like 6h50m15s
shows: 3h29m11s
